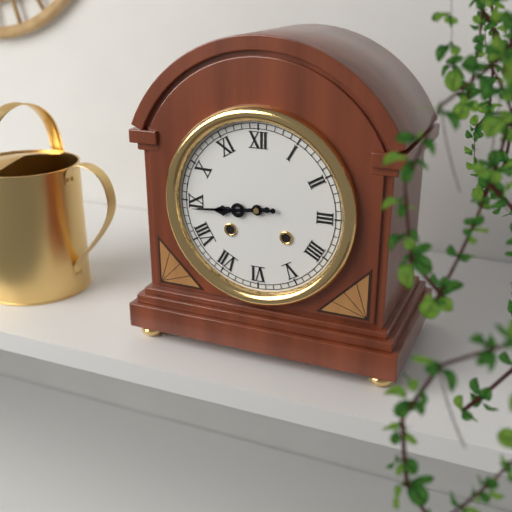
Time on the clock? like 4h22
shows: 8h44
